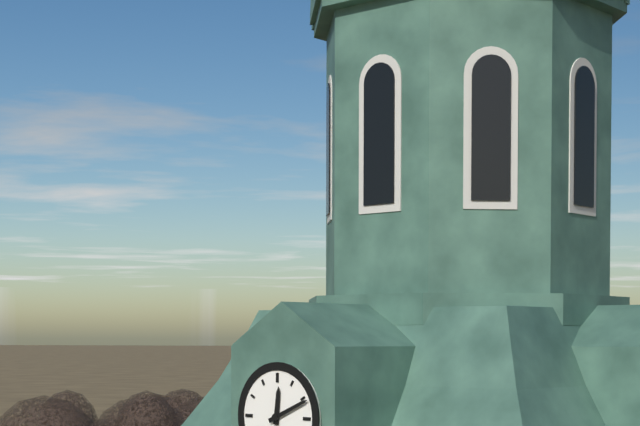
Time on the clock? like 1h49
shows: 12h11
